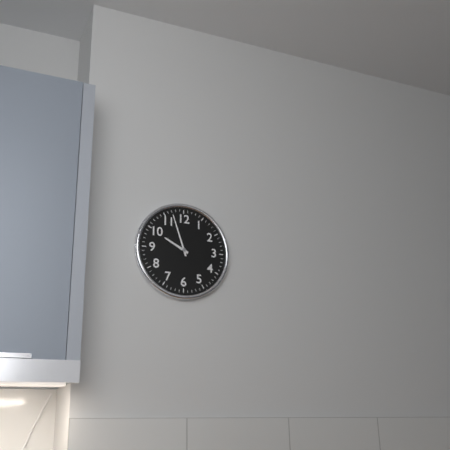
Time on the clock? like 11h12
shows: 9h57
